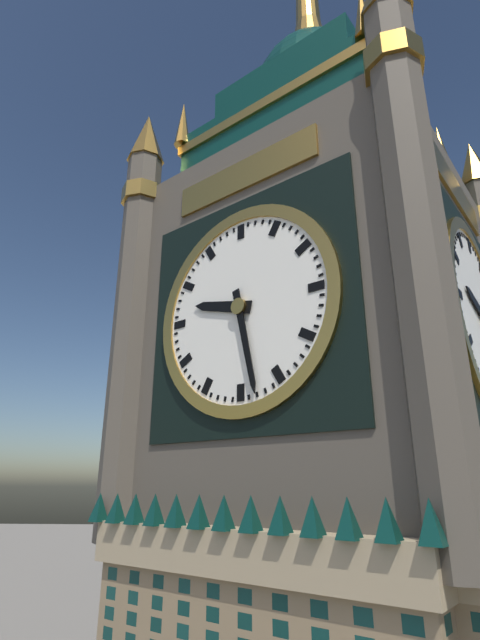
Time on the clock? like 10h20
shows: 9h28
